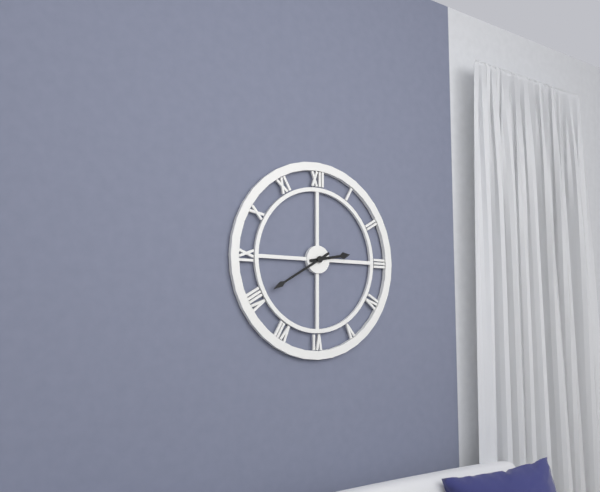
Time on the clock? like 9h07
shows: 2h40
